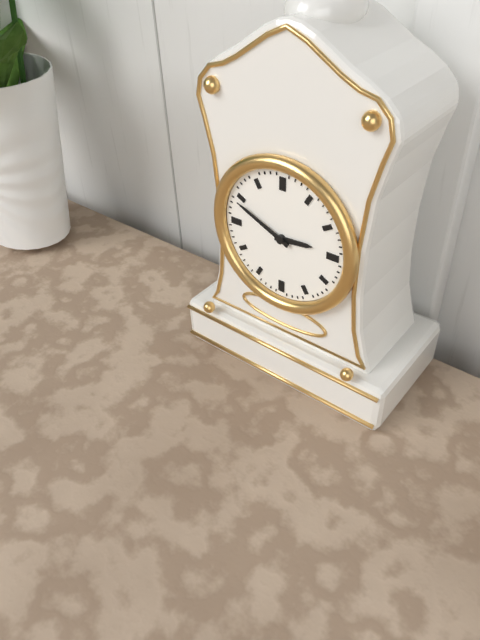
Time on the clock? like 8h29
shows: 2h49
